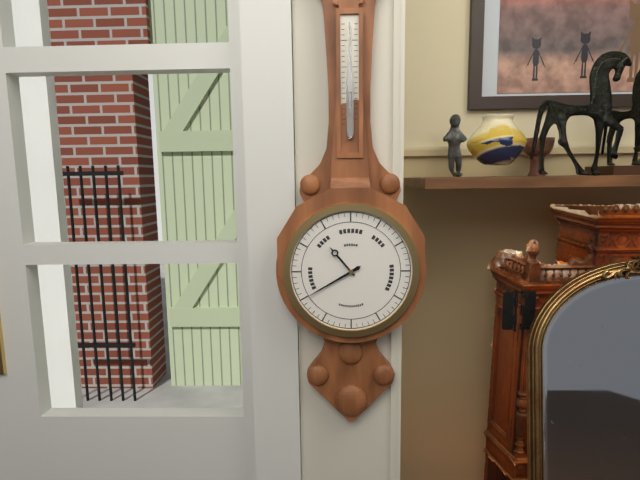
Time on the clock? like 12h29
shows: 10h40
